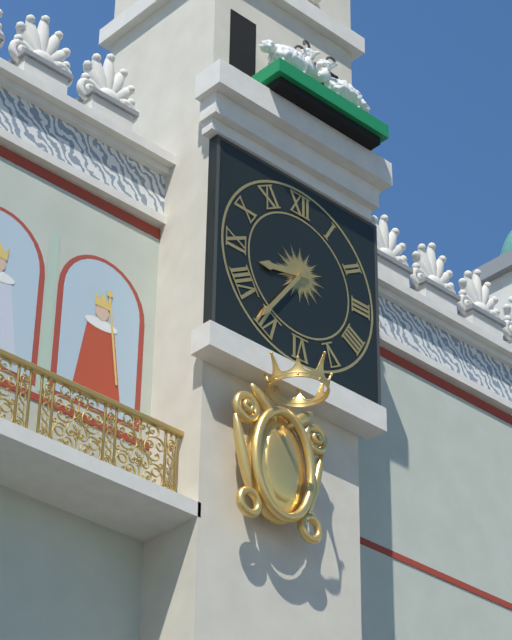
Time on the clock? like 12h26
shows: 8h36
